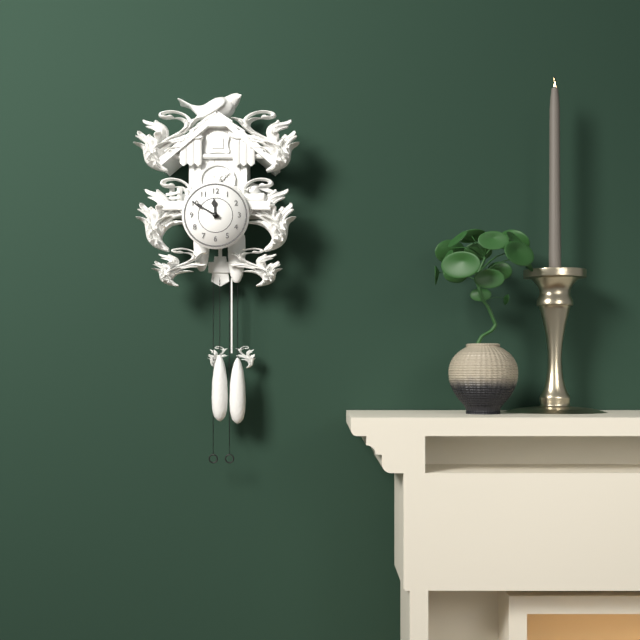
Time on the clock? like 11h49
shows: 11h50
